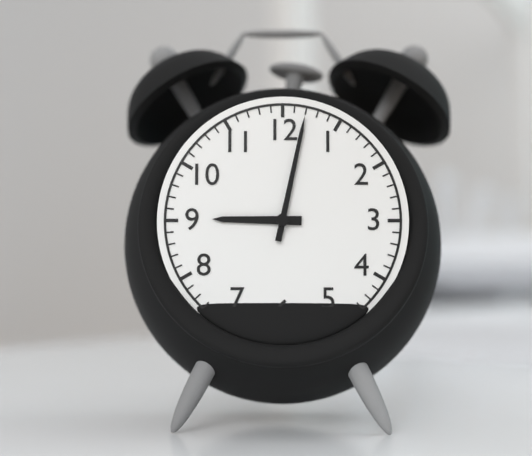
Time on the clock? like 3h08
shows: 9h02
